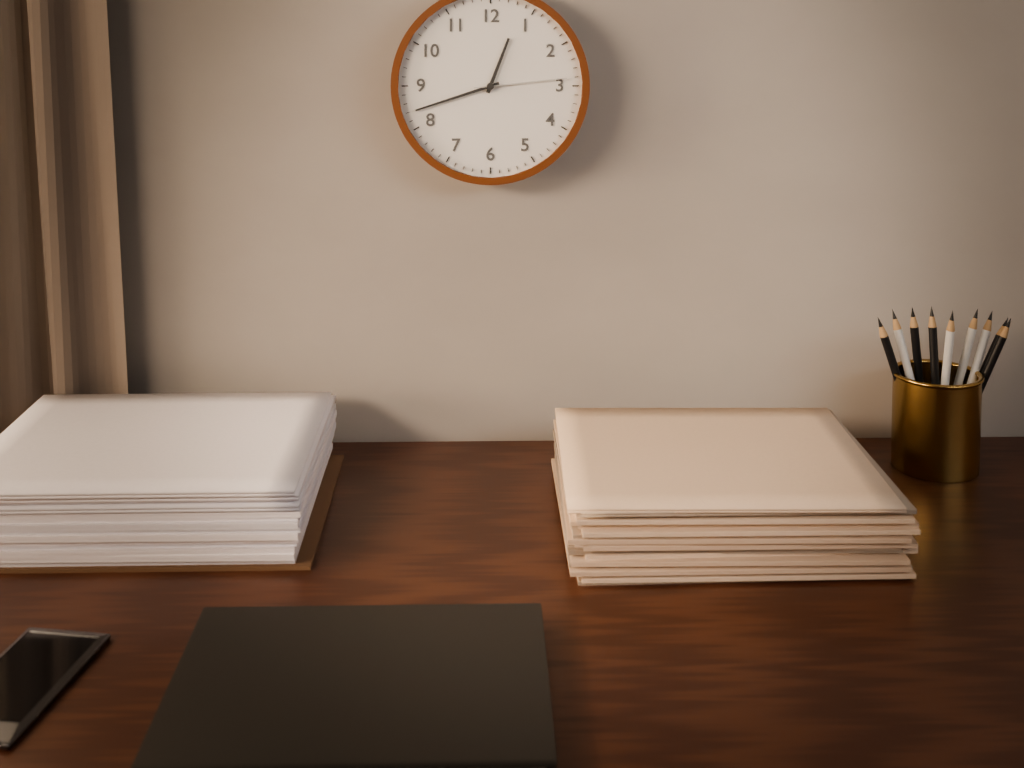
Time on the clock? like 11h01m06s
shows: 12h42m14s
